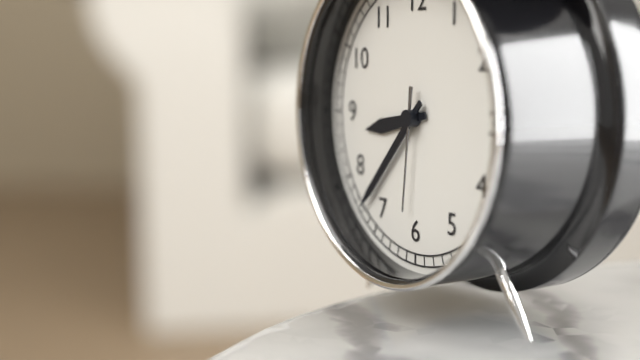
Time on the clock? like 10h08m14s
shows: 8h37m31s
